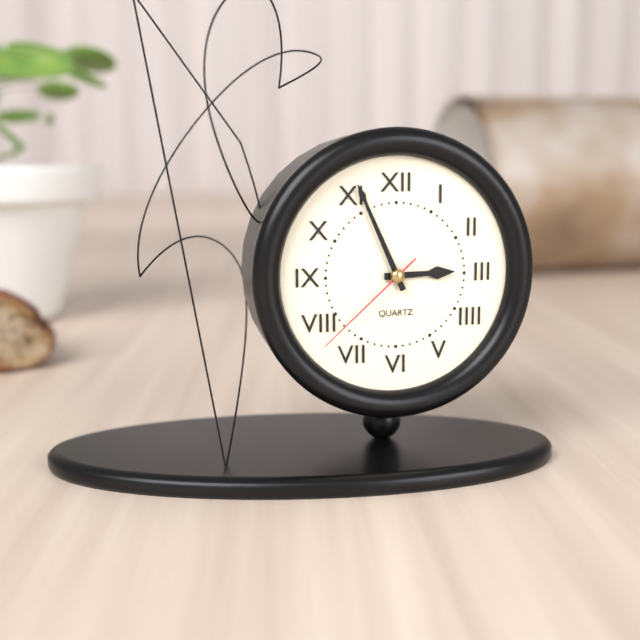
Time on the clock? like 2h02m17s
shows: 2h56m38s
